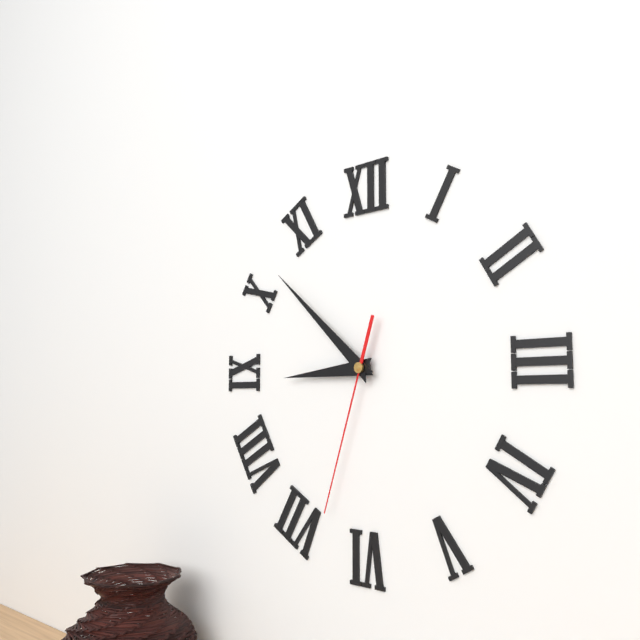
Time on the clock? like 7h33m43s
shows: 8h52m33s
